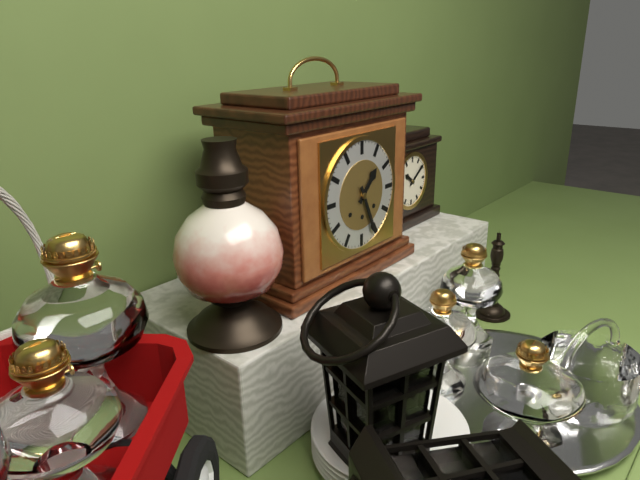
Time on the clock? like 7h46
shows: 1h26
